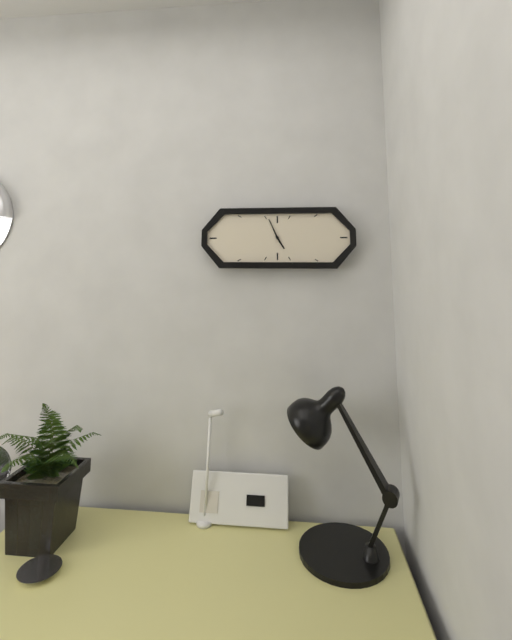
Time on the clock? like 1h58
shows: 4h56
